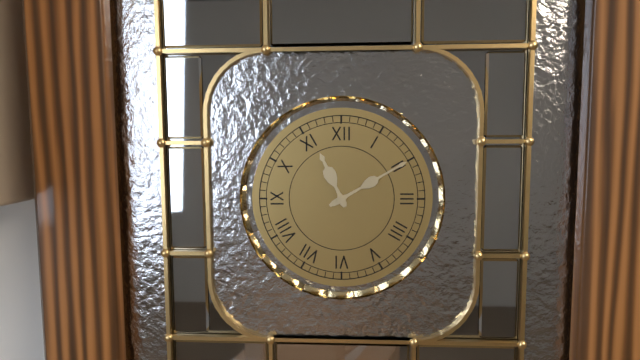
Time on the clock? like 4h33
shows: 11h10
